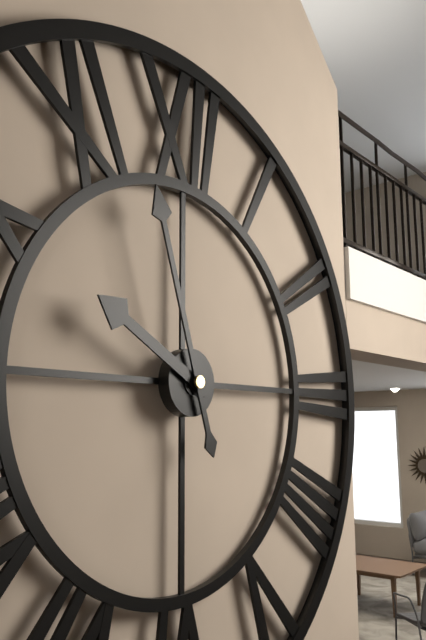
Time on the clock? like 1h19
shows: 9h57
